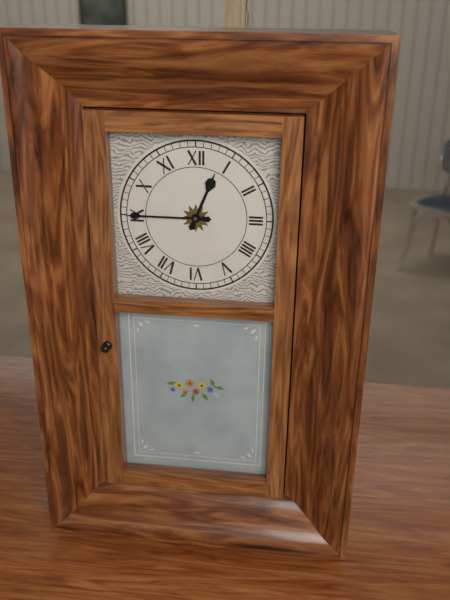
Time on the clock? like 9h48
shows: 12h45
